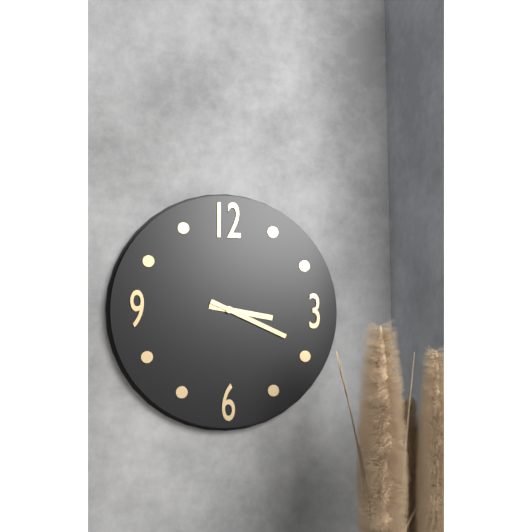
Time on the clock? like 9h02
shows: 3h19
